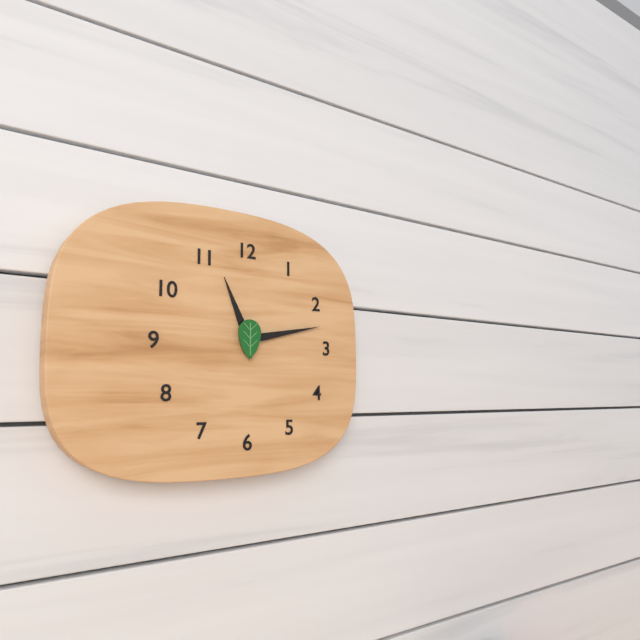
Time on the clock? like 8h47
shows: 11h13
